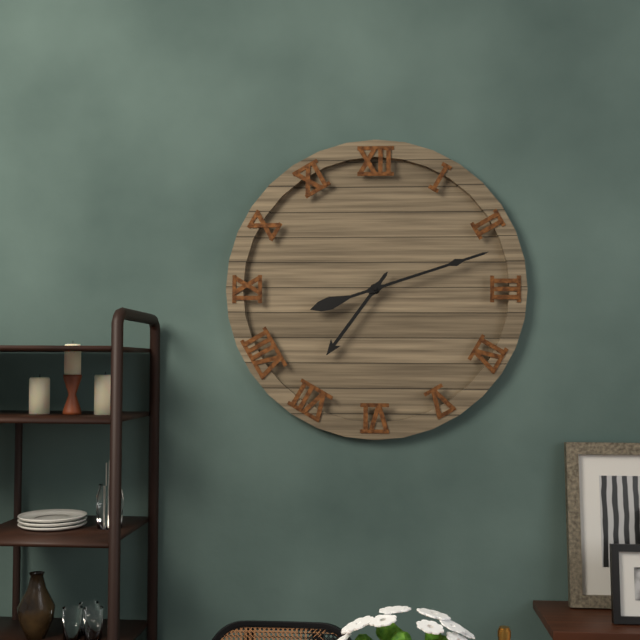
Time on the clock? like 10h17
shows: 7h12
